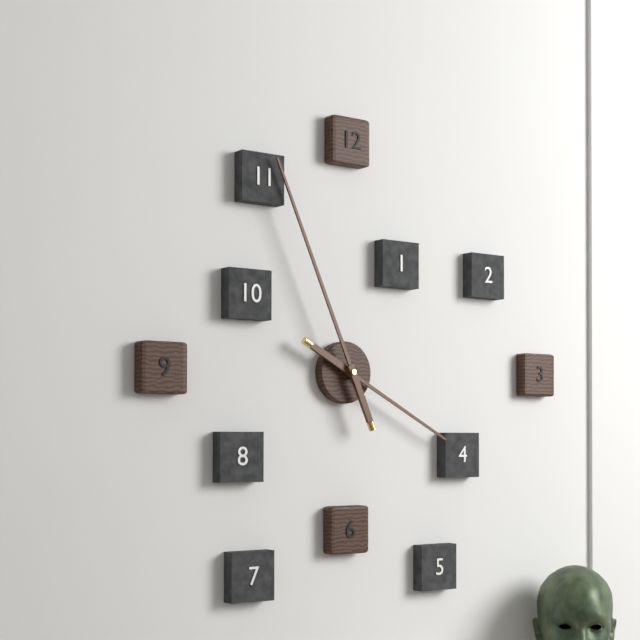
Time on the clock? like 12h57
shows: 3h56
